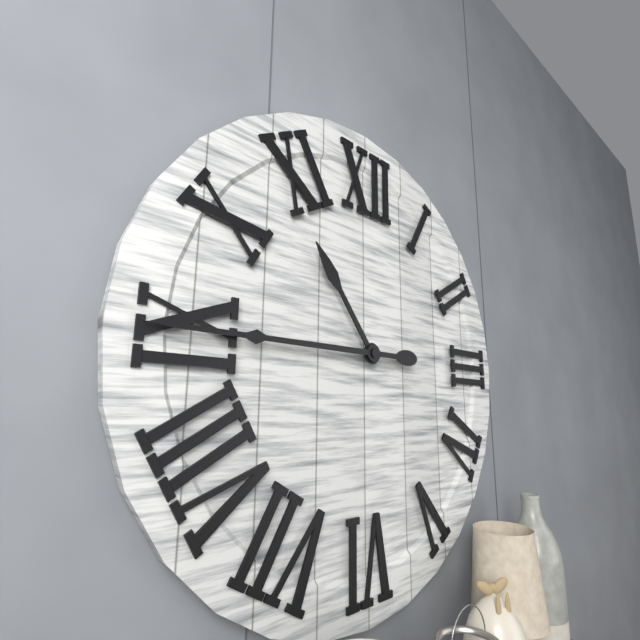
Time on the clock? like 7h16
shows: 10h45
